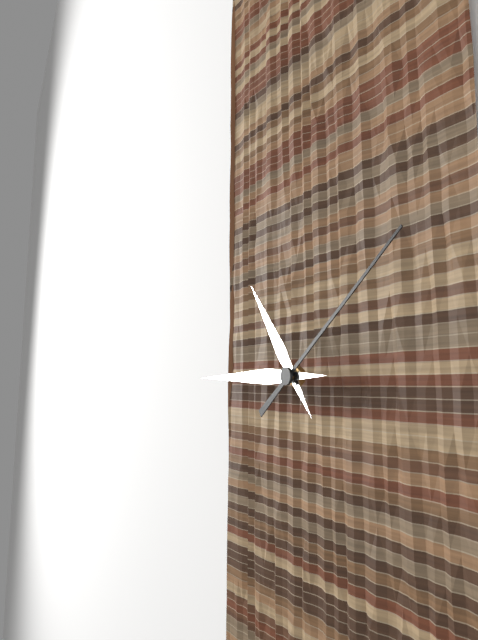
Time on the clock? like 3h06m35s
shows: 10h45m09s
